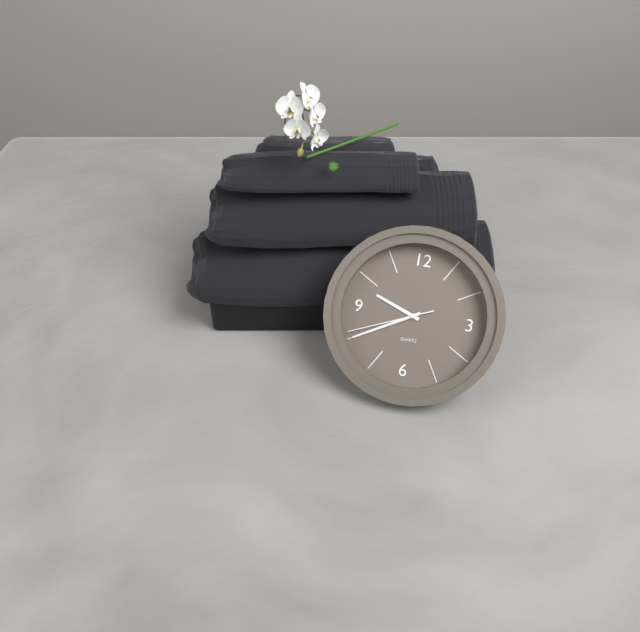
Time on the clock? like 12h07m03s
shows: 9h40m41s
